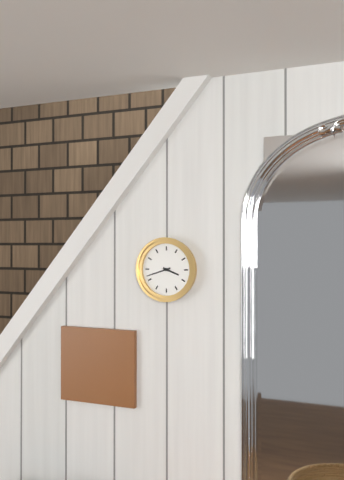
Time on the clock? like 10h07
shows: 3h42
